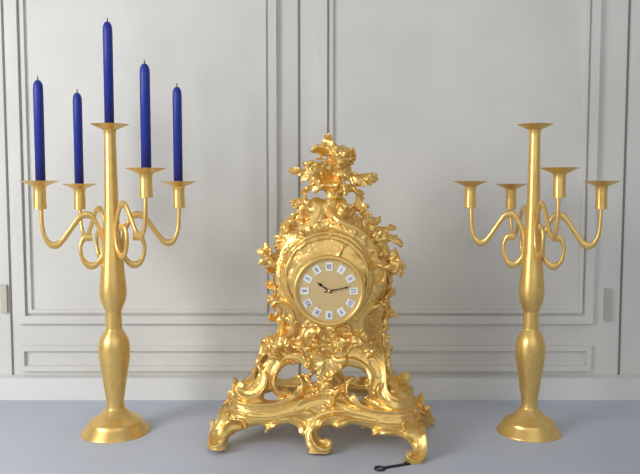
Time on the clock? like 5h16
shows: 10h13
